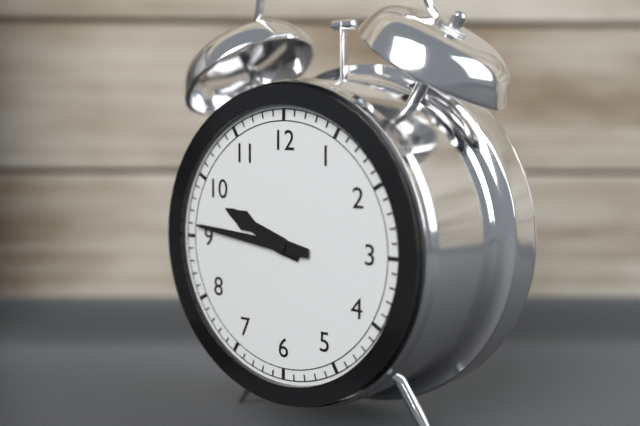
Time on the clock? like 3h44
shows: 9h46
